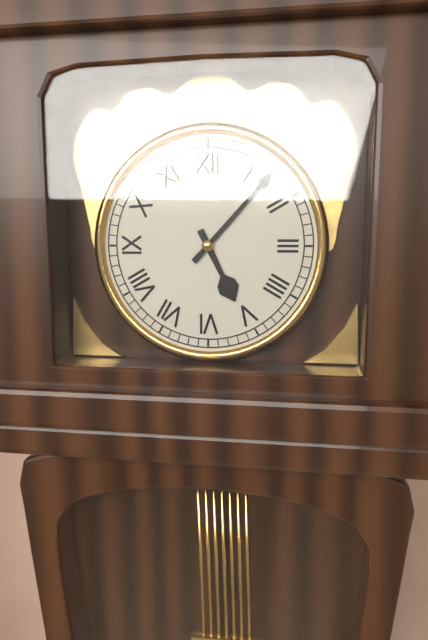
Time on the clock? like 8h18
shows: 5h07
